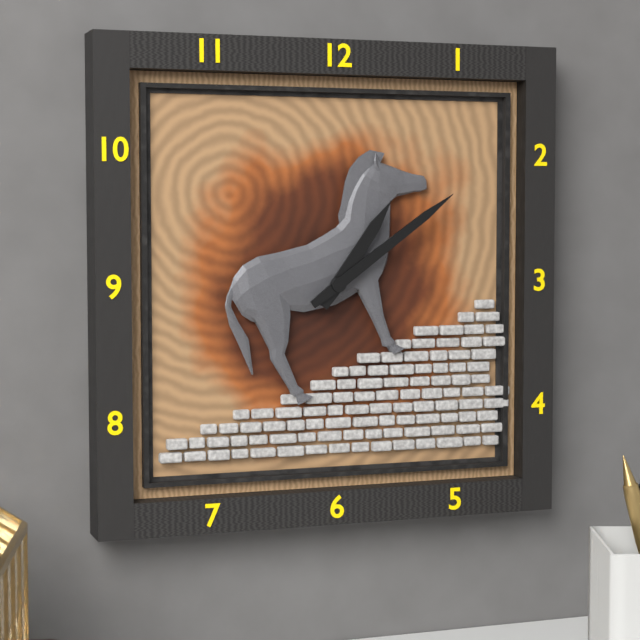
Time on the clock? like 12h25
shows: 1h09
